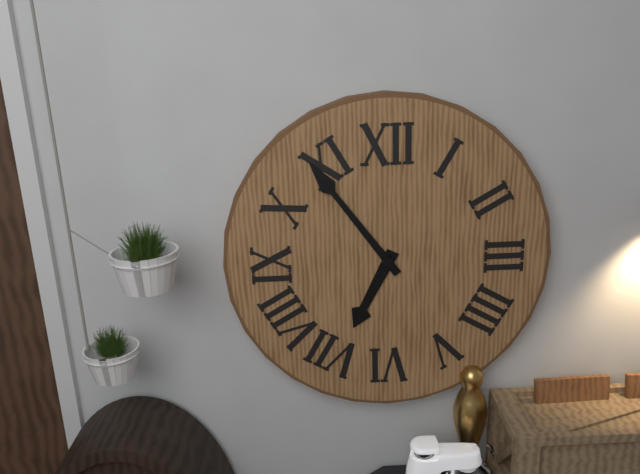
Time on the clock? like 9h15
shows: 6h54
